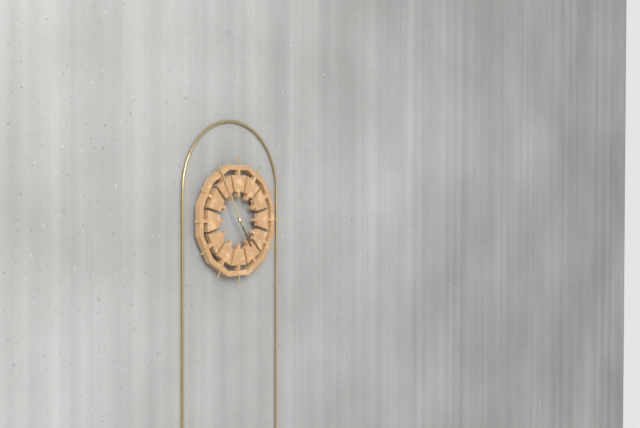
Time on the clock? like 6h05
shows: 4h55
